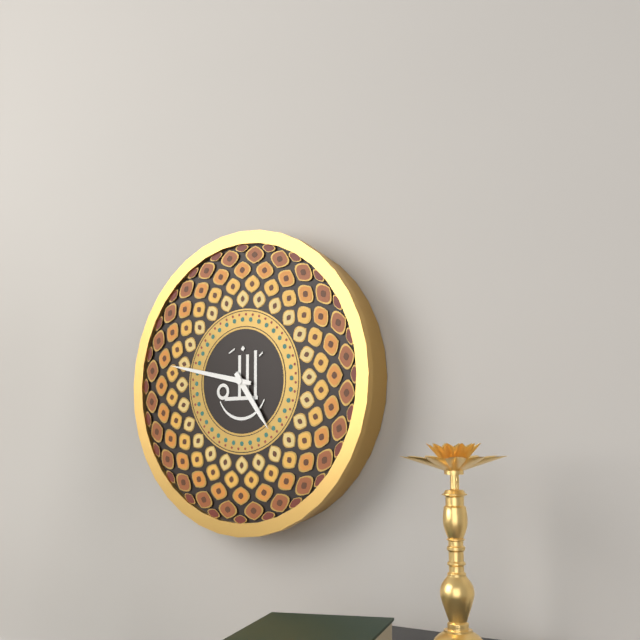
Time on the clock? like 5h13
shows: 4h47
